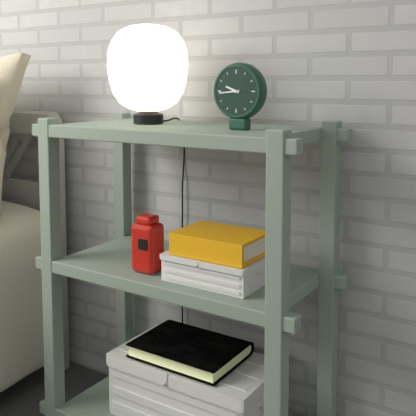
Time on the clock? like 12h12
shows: 9h44
